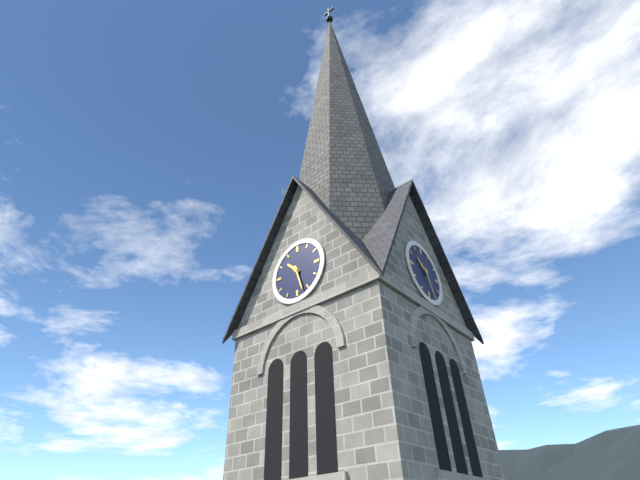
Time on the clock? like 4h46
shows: 10h27
